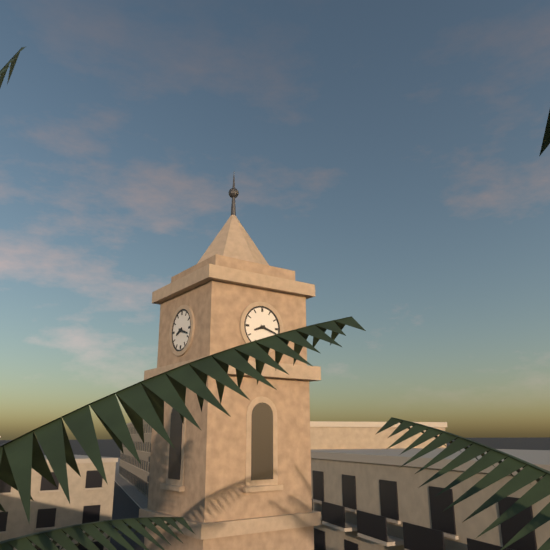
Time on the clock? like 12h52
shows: 8h18
